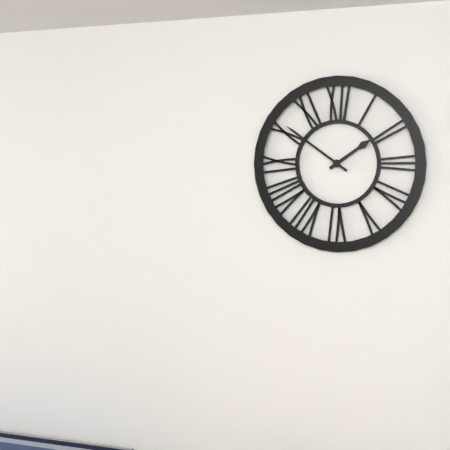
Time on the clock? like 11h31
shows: 1h51
